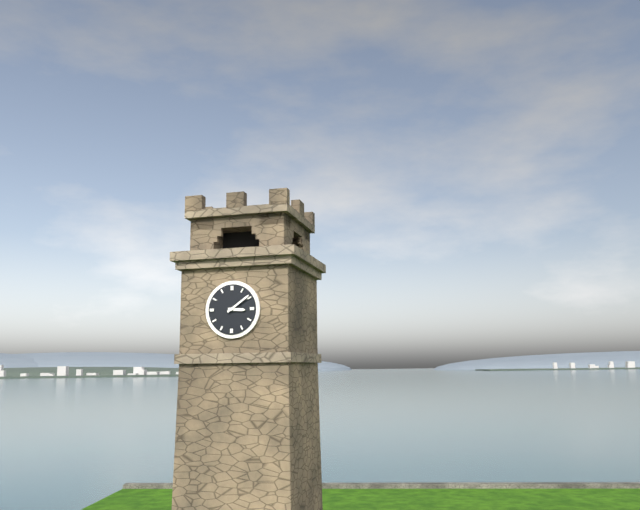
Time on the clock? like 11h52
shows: 3h09
